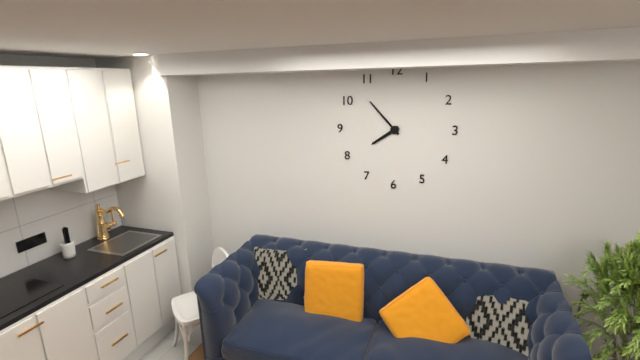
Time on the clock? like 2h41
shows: 7h53
